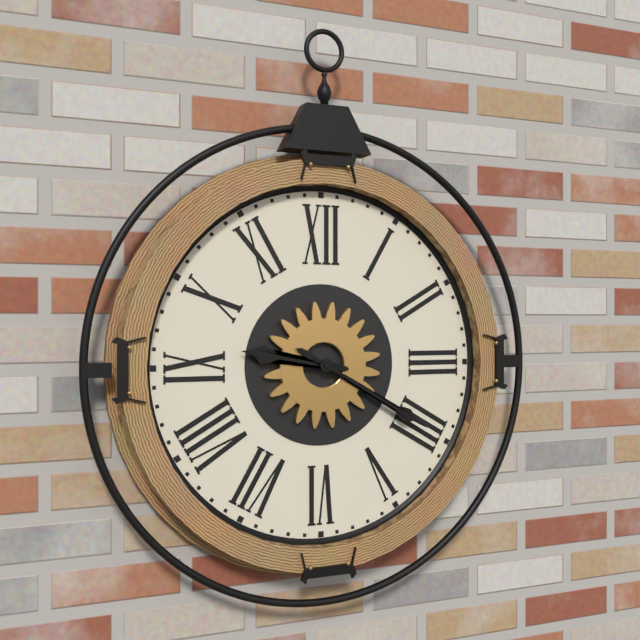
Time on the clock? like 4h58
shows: 9h20
